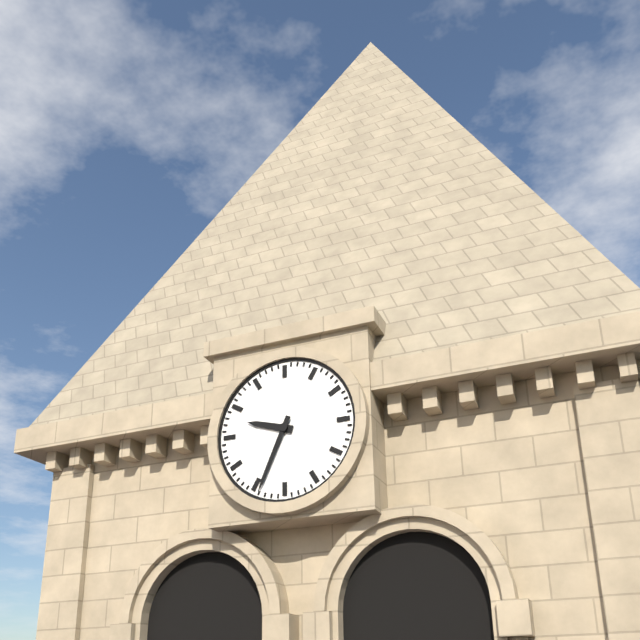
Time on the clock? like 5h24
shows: 9h34
